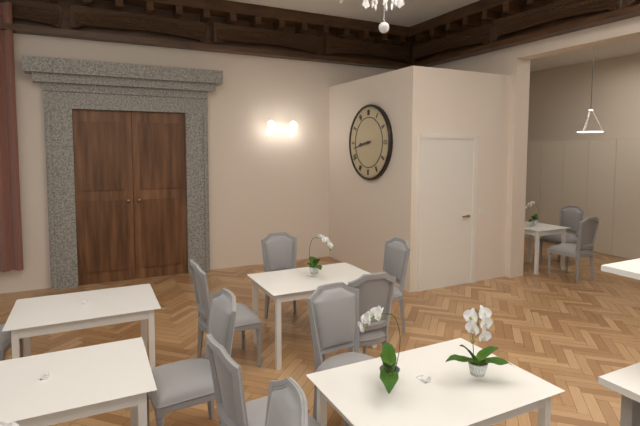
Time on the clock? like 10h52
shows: 8h43
